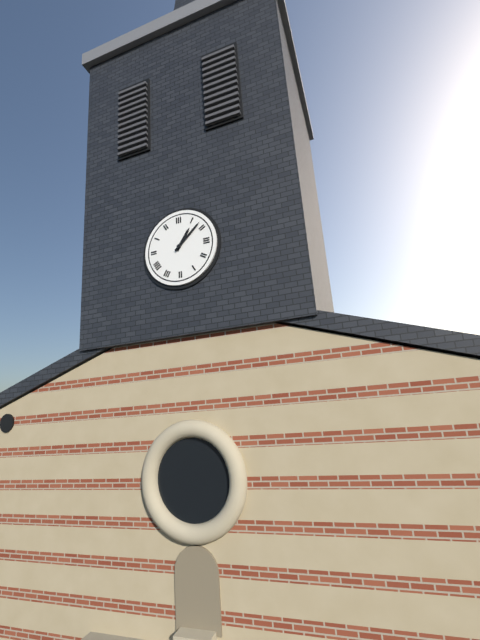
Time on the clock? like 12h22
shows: 1h08
